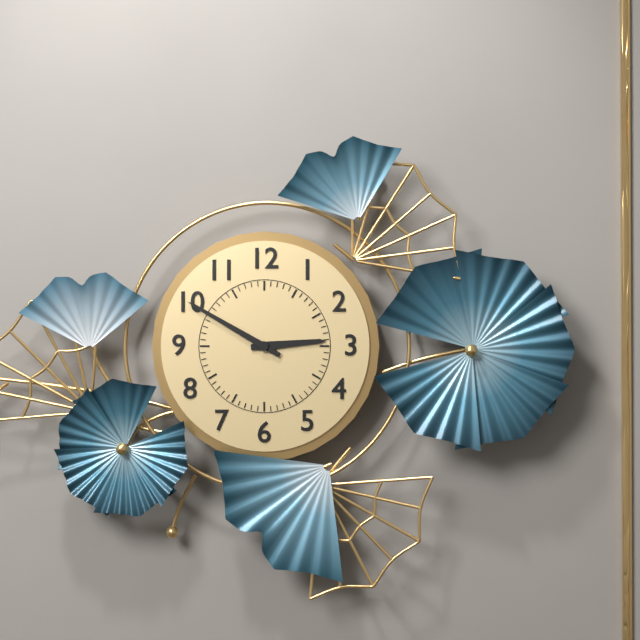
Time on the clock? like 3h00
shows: 2h50
